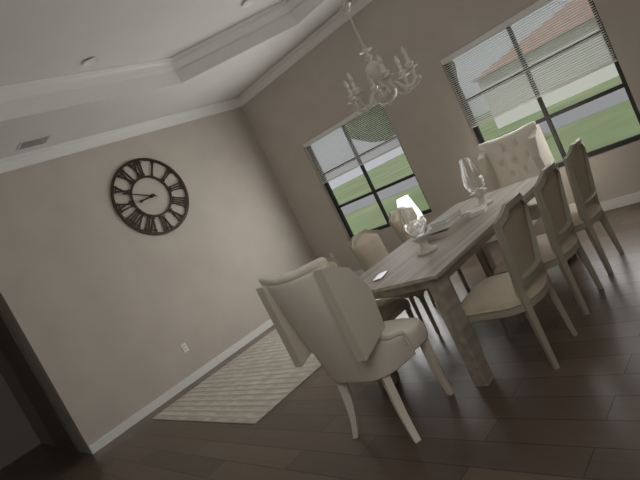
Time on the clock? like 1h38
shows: 8h49
